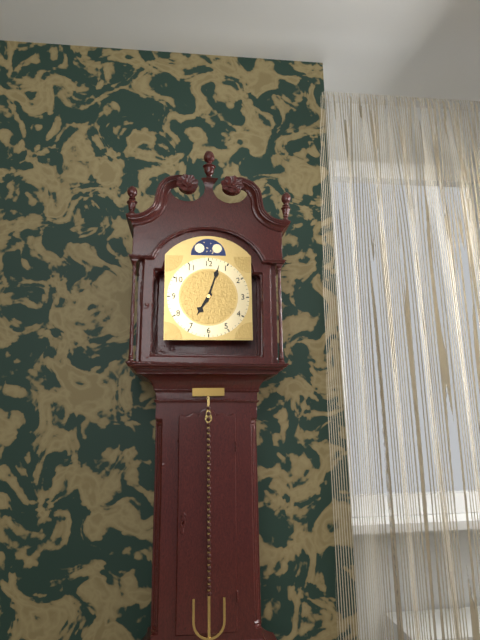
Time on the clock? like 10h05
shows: 7h03
